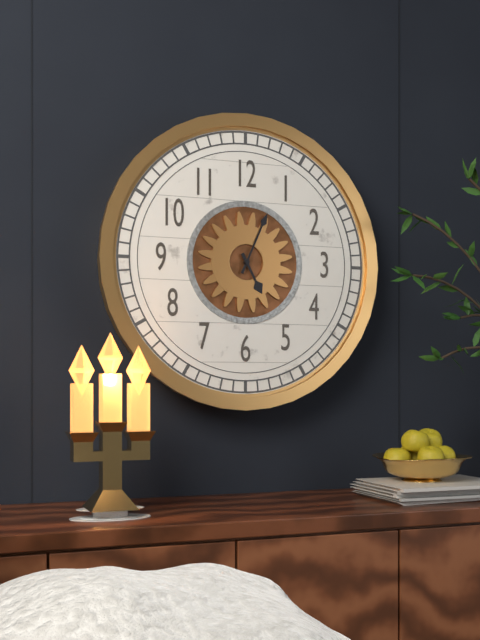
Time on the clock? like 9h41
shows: 5h04
